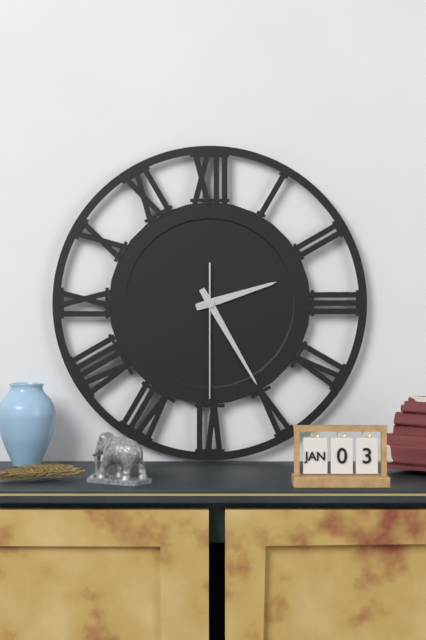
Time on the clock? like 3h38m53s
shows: 2h25m30s
